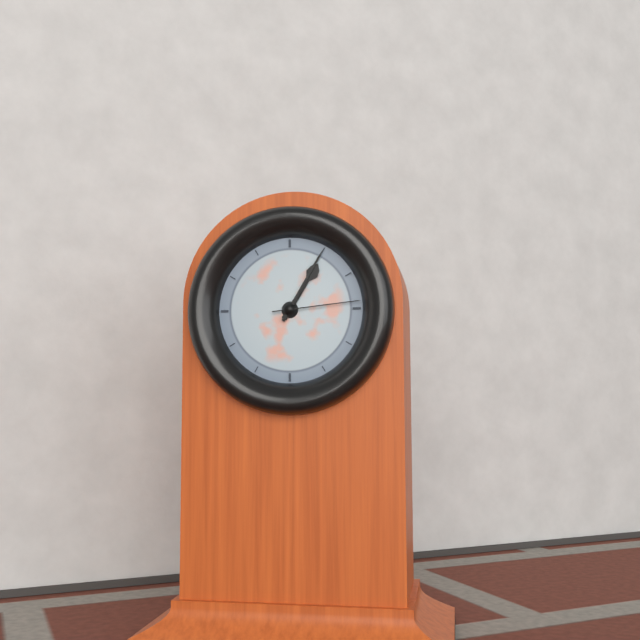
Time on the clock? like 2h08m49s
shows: 1h05m14s
